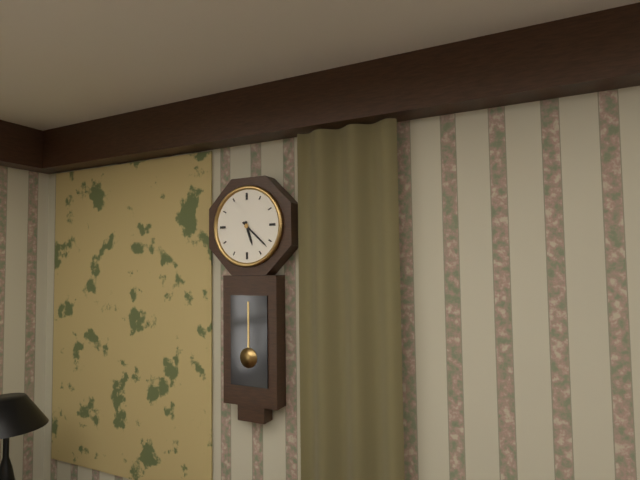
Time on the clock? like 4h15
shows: 5h22
